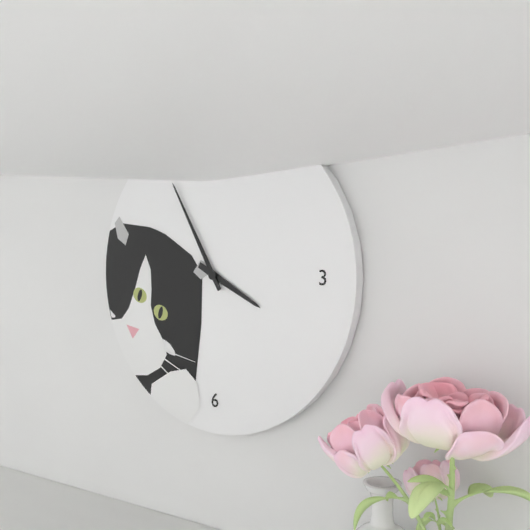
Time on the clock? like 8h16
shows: 3h55
